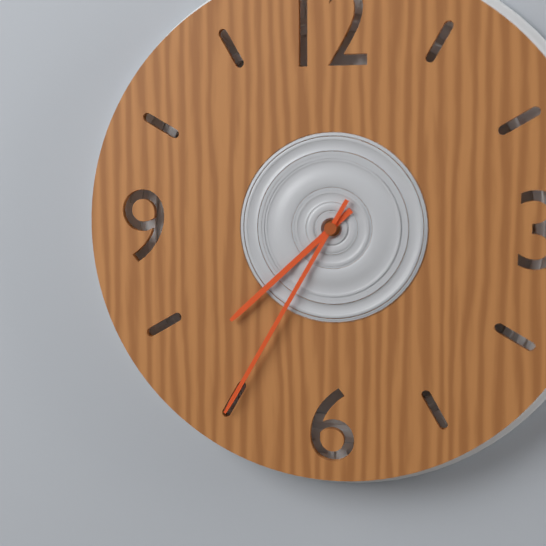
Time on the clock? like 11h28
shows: 7h35
